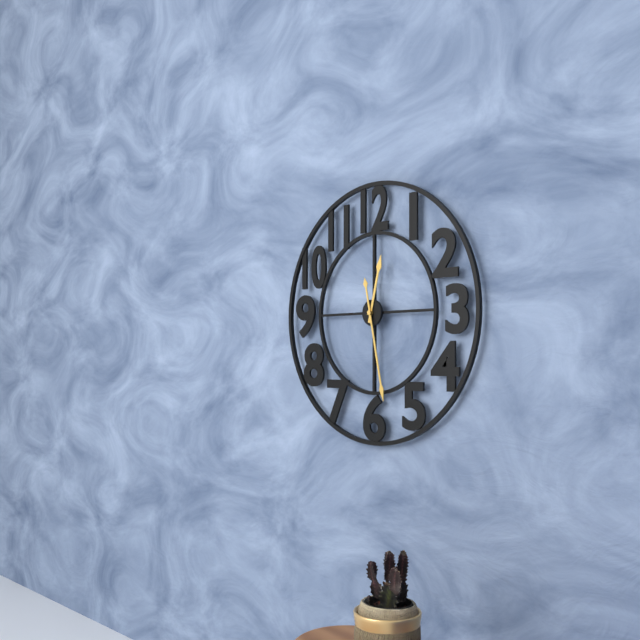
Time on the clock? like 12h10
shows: 12h28
